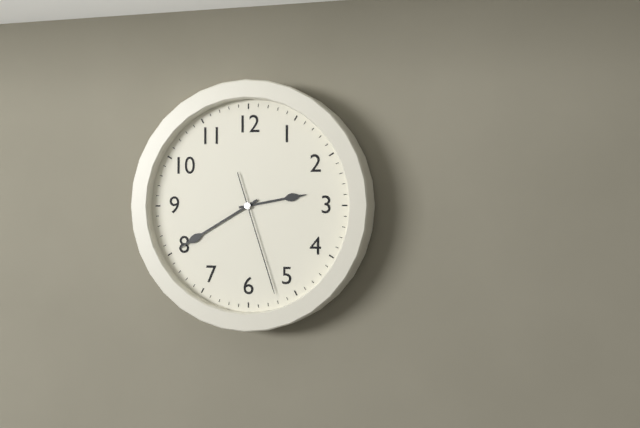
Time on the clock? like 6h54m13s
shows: 2h40m27s
